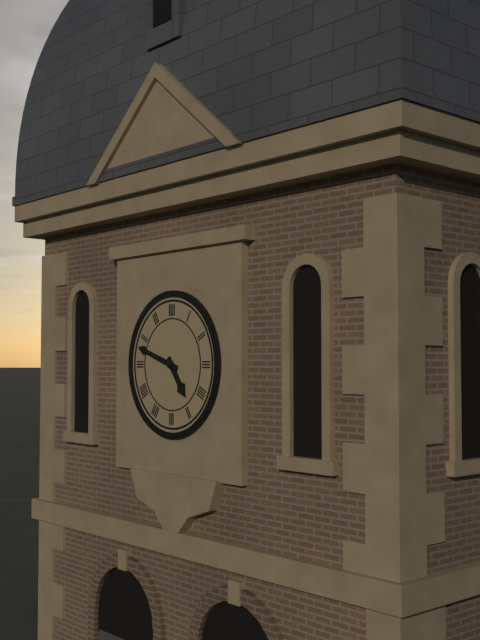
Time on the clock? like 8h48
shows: 4h48
